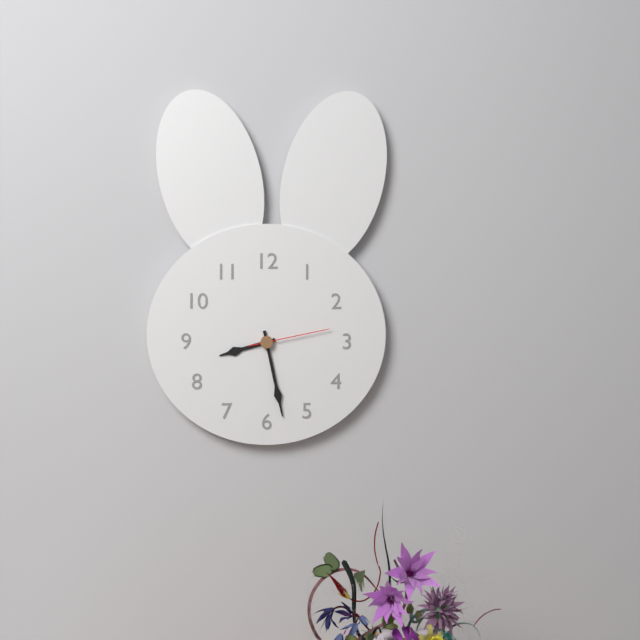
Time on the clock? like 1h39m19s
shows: 8h28m13s
